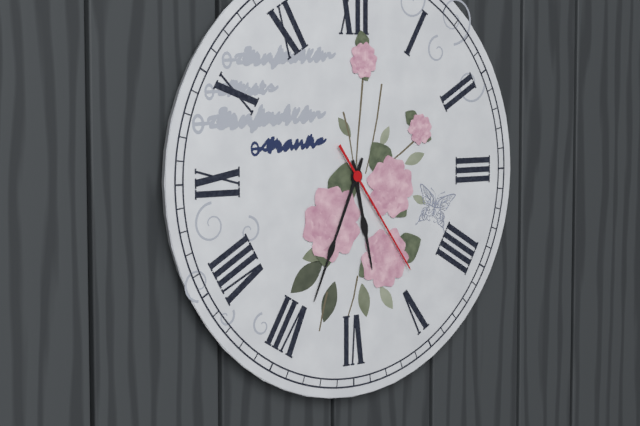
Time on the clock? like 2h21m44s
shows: 5h34m24s
